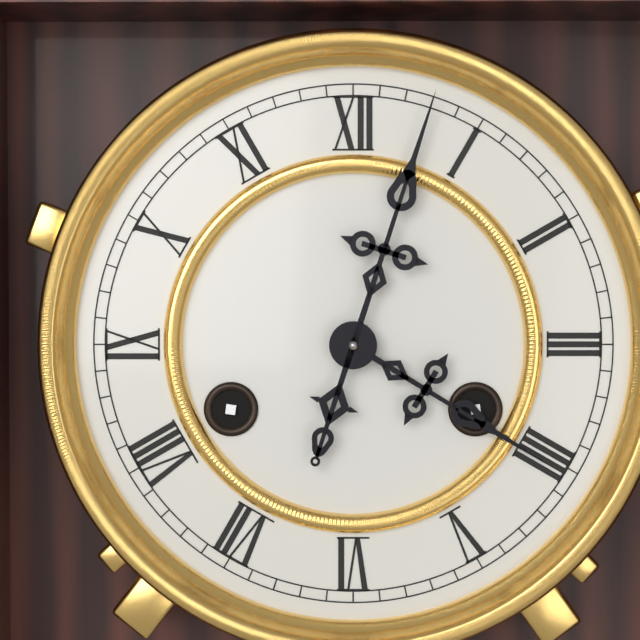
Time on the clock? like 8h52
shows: 4h03
